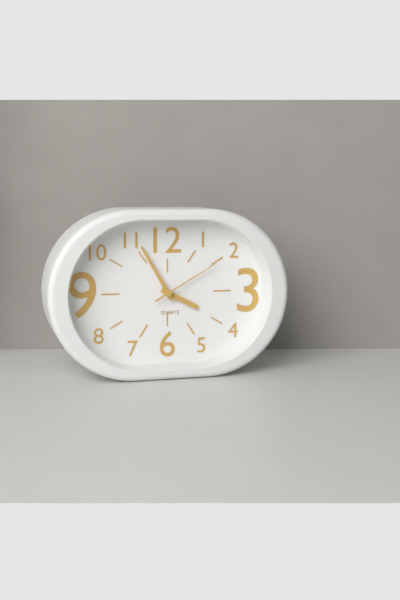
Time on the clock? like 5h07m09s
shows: 3h55m10s
